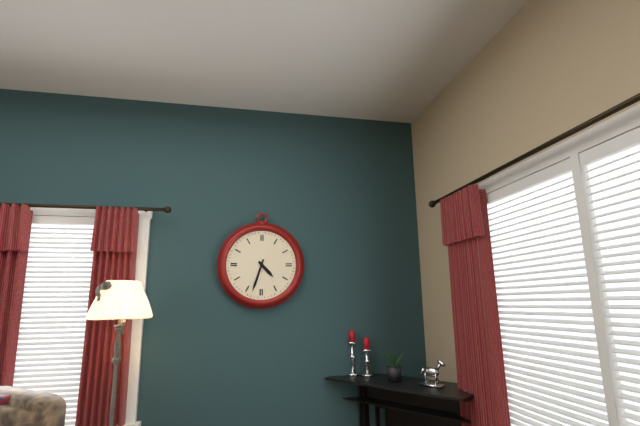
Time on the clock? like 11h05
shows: 4h33
